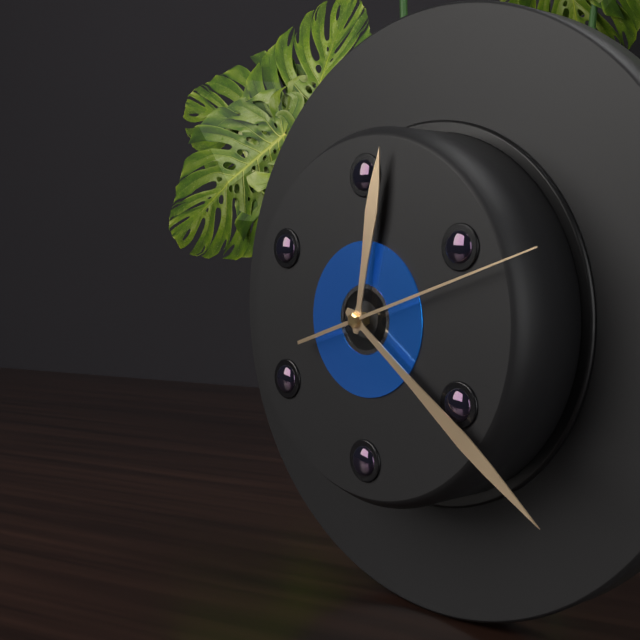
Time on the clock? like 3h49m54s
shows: 12h21m12s
